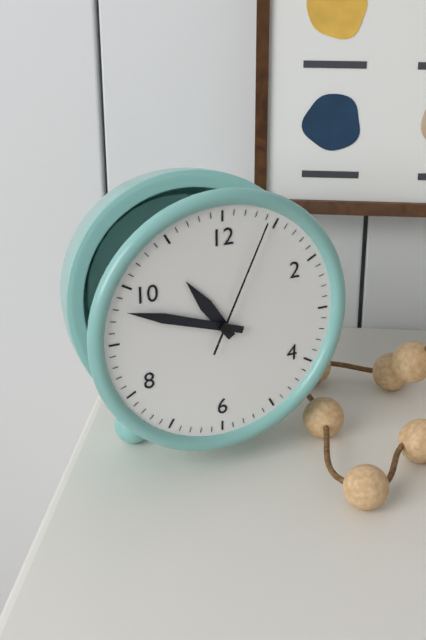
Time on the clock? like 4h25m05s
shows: 10h48m04s
